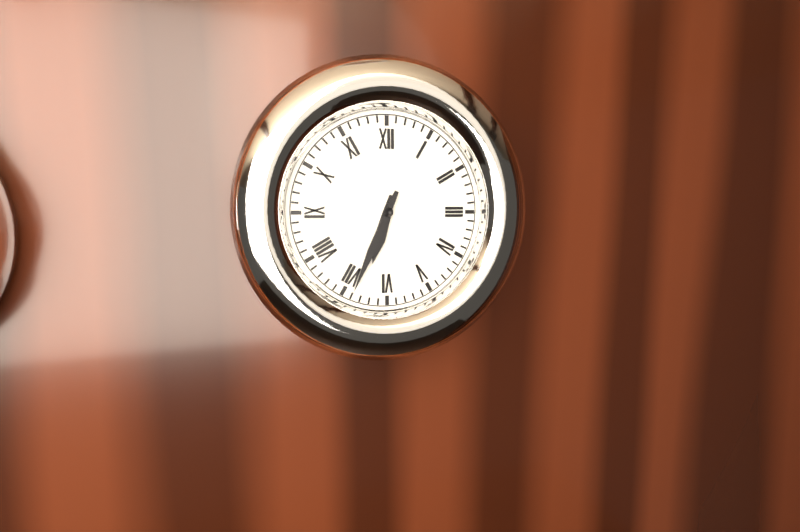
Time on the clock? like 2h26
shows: 6h34
